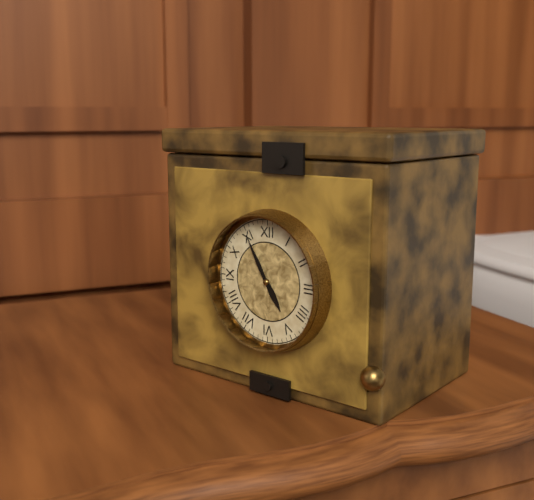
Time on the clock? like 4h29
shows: 4h55
